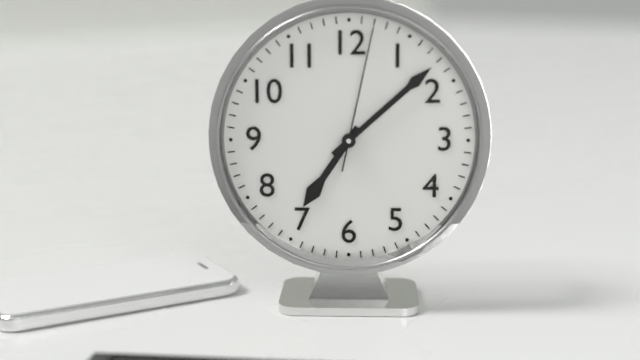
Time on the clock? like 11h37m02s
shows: 7h08m02s
